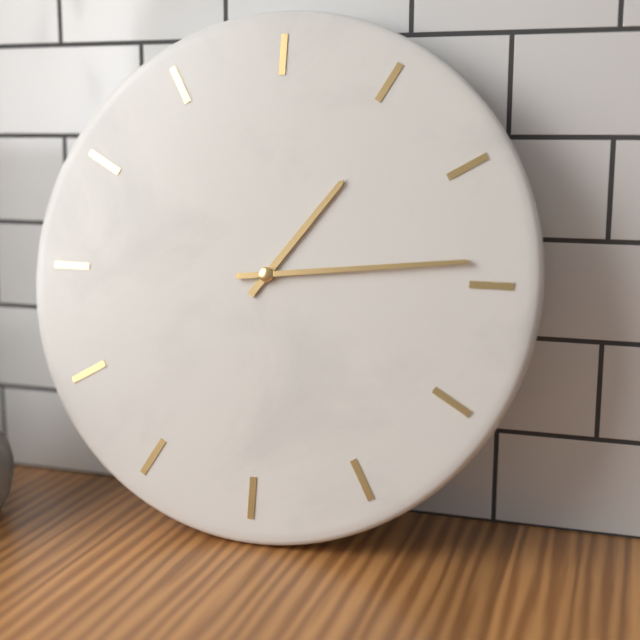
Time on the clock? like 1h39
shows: 1h14
